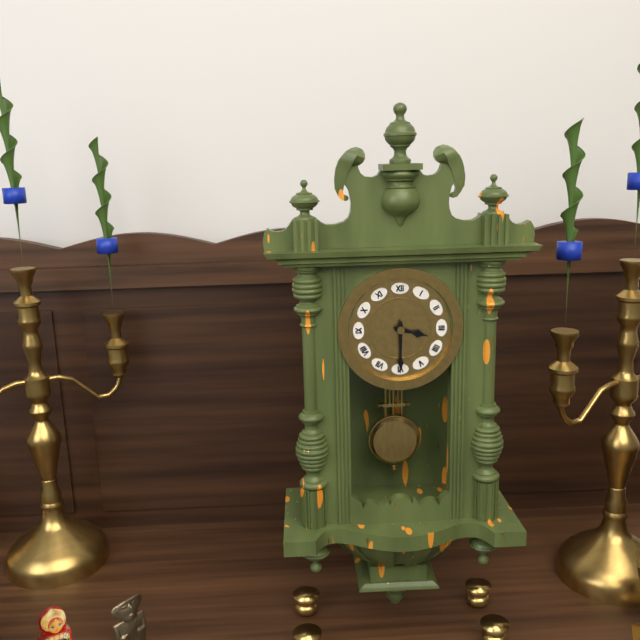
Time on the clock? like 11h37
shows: 3h30
